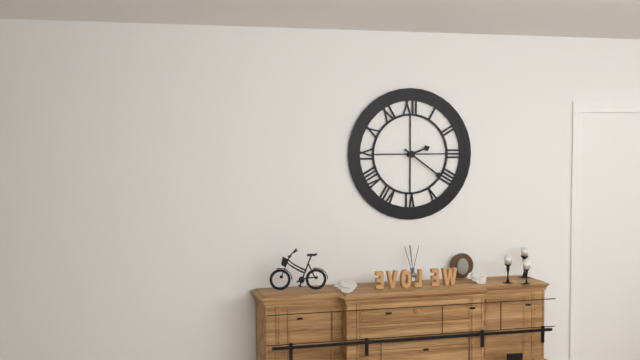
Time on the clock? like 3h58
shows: 2h21
